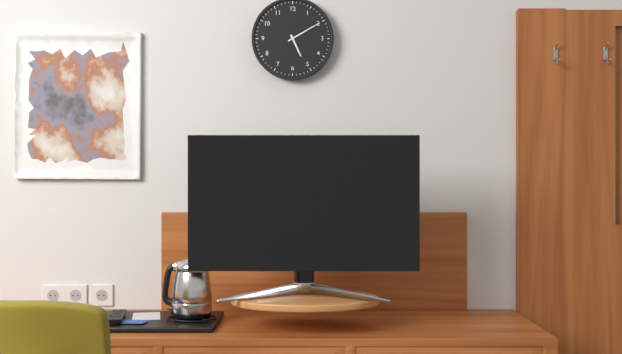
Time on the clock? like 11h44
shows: 5h10
